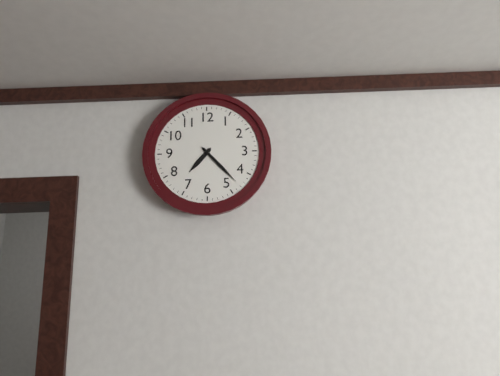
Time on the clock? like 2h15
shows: 7h23
